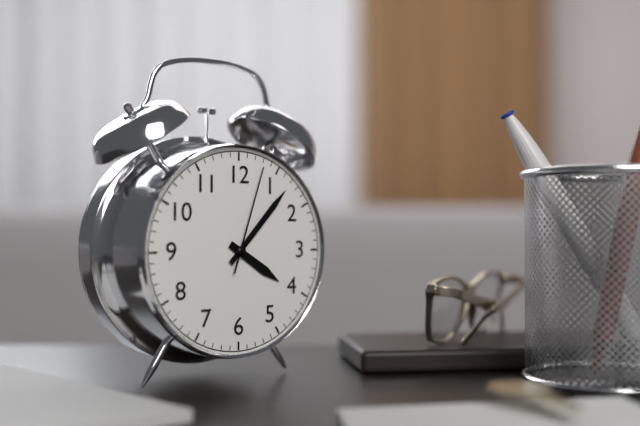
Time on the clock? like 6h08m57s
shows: 4h07m03s
